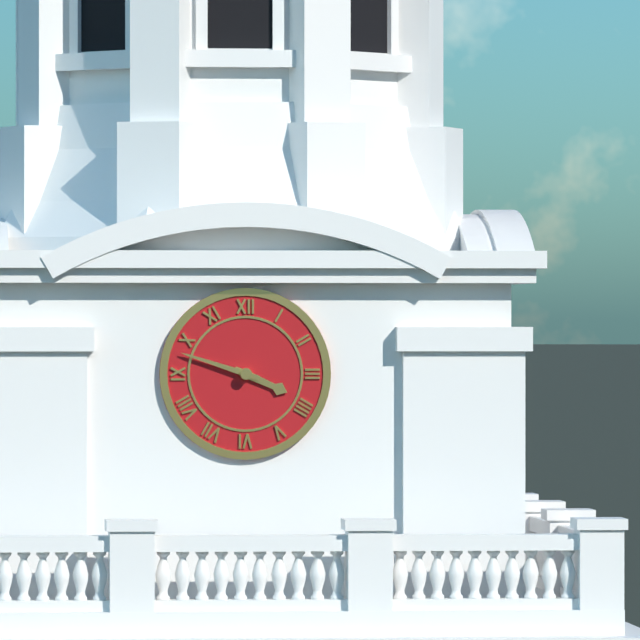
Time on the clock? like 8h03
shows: 3h48
